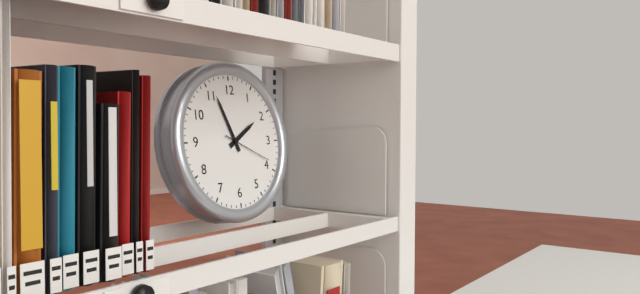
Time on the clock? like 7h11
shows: 1h56
